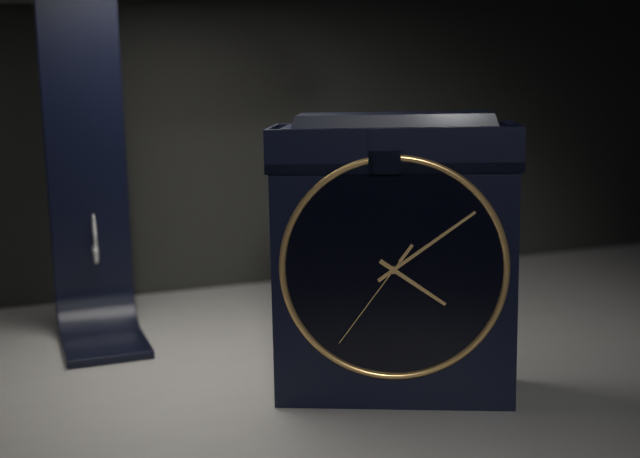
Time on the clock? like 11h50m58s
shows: 4h09m36s
